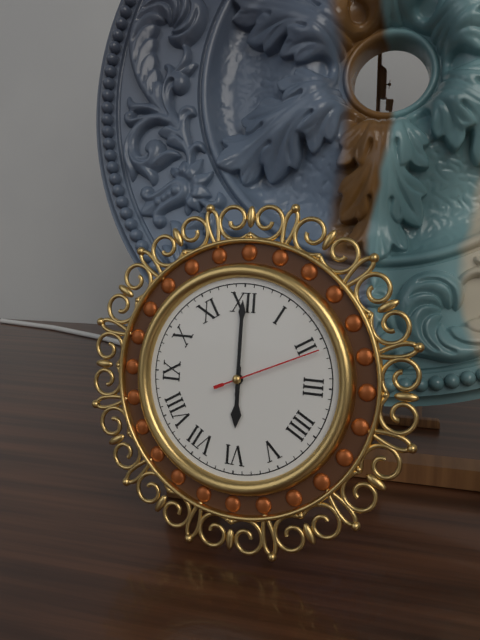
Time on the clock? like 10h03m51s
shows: 6h00m11s
